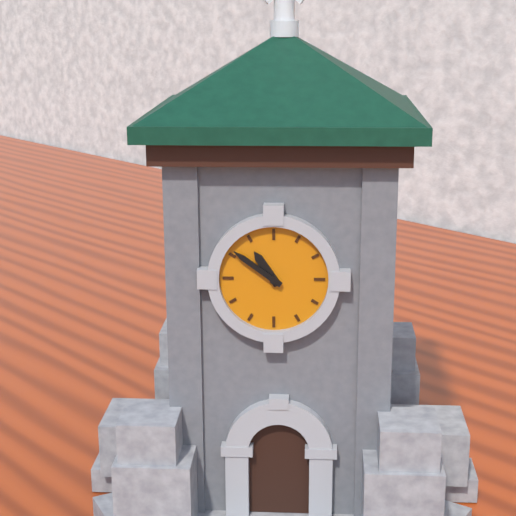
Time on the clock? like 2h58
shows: 10h51
